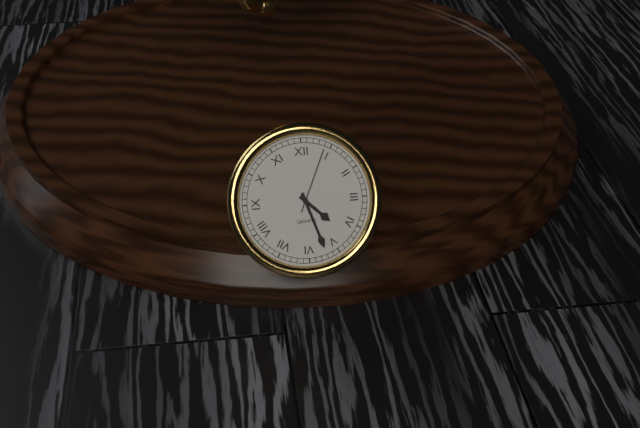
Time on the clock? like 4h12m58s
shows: 4h27m04s
